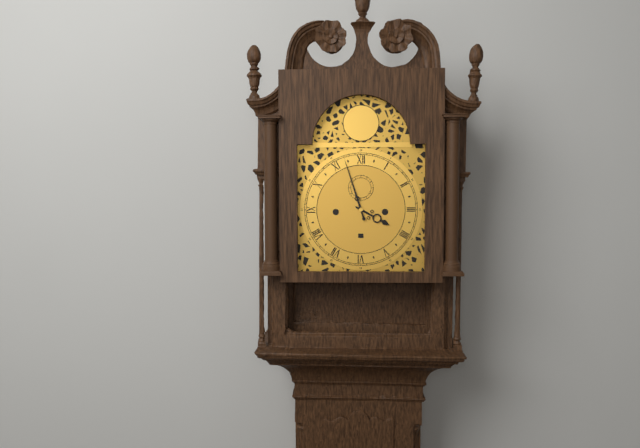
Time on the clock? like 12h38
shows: 3h57
